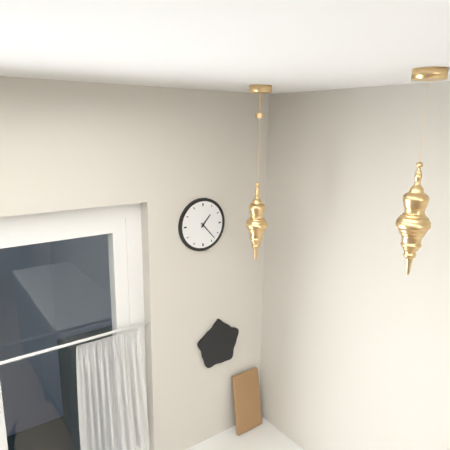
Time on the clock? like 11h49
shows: 1h23
